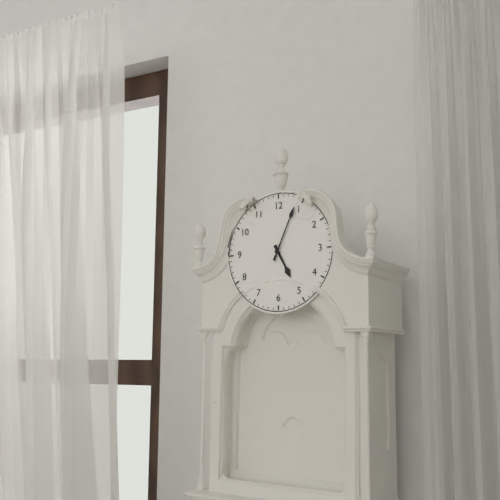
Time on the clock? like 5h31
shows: 5h04
